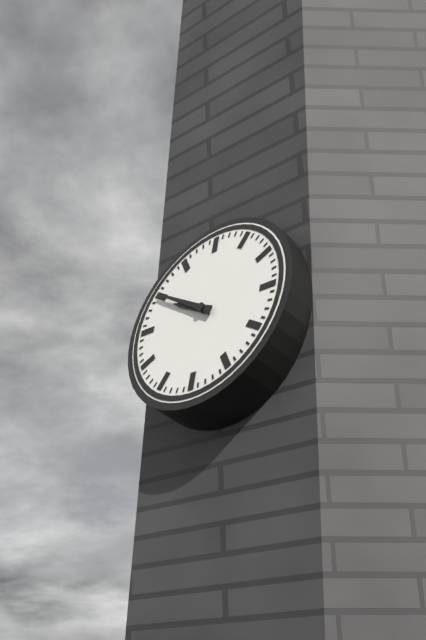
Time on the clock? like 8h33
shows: 9h50
